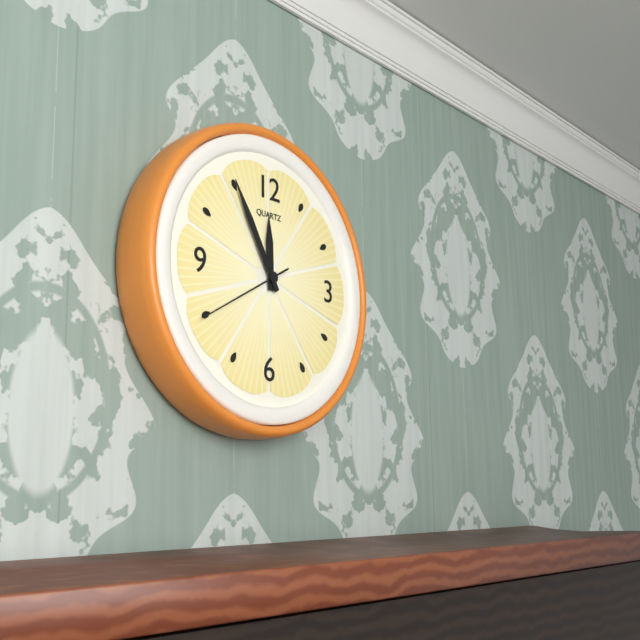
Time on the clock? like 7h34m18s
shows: 11h55m40s
